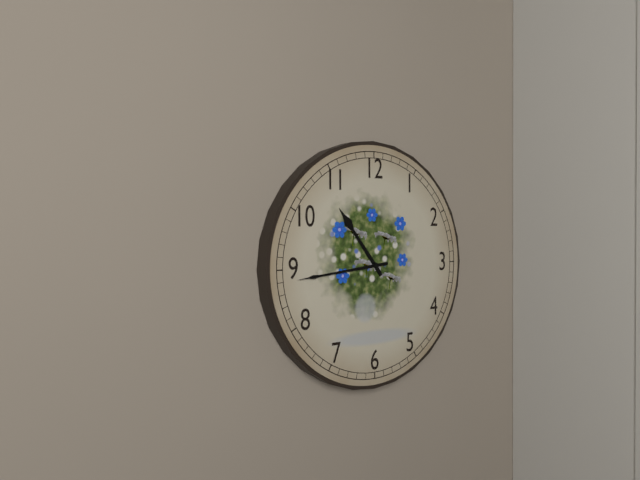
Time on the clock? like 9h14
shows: 10h44
